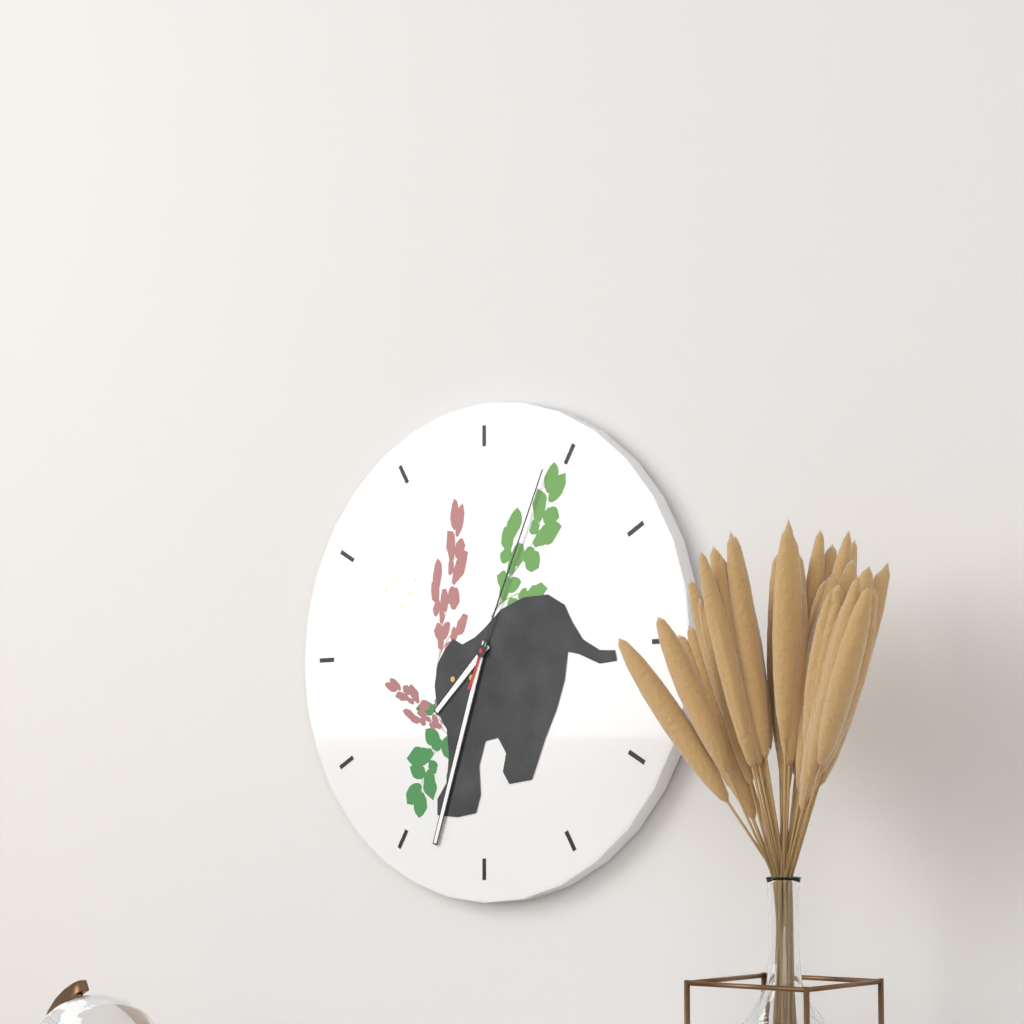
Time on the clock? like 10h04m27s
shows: 7h33m04s
